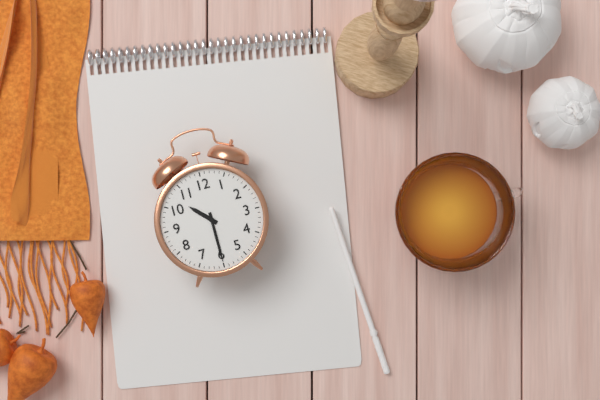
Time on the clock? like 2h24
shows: 10h30
